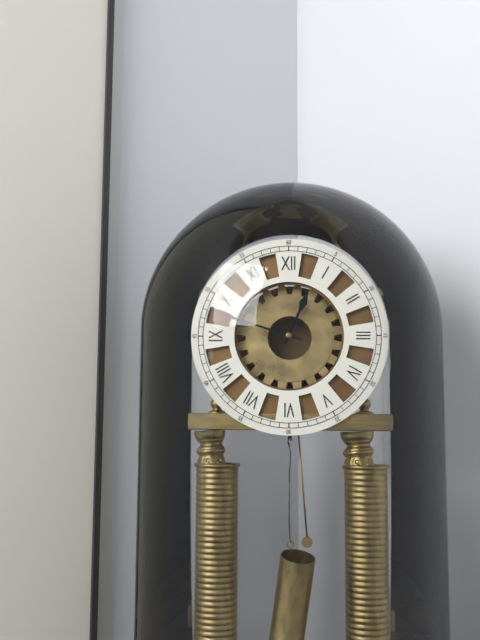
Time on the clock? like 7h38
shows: 12h48
